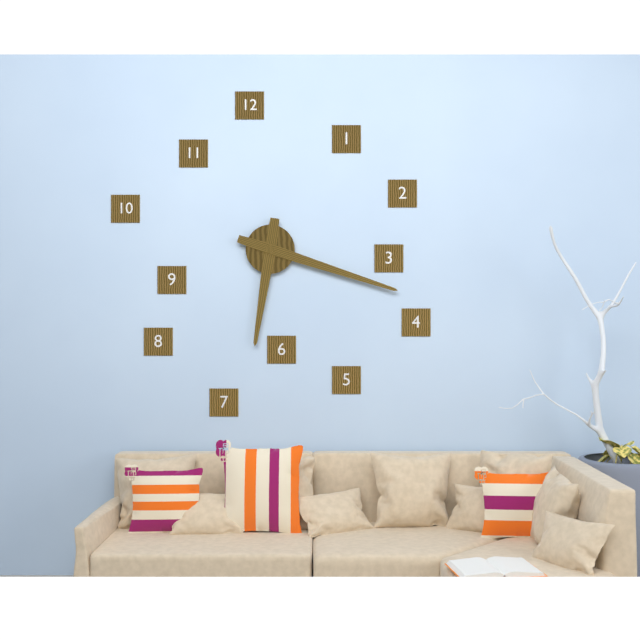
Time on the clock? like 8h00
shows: 6h18
